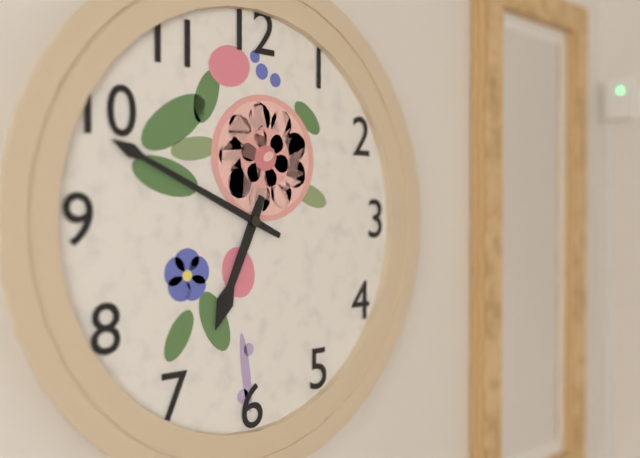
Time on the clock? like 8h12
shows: 6h49
